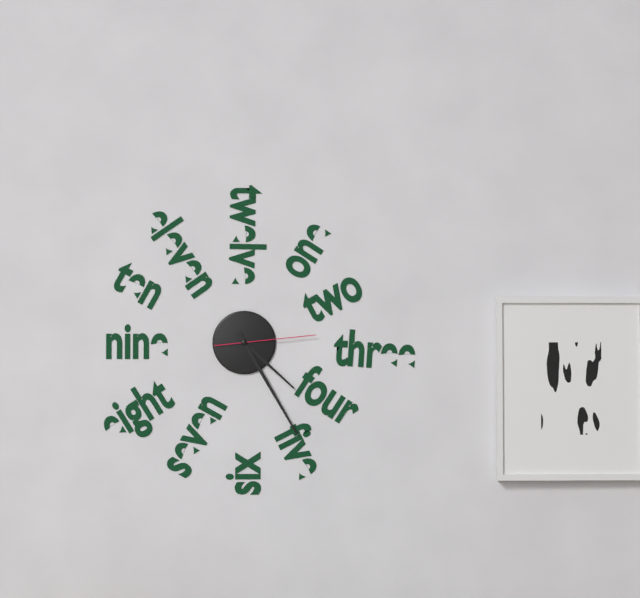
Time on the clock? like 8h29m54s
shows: 4h25m14s
